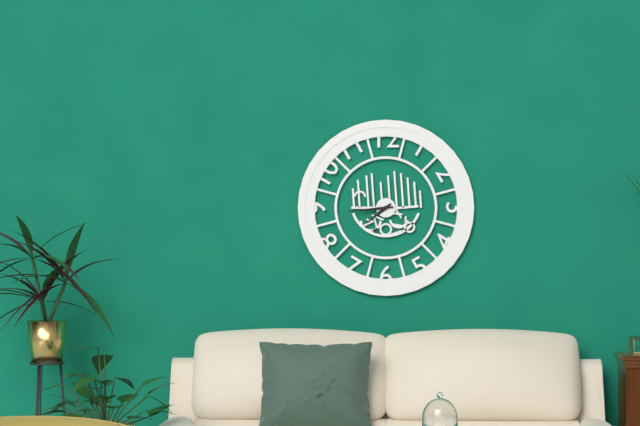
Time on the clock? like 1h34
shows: 7h44
